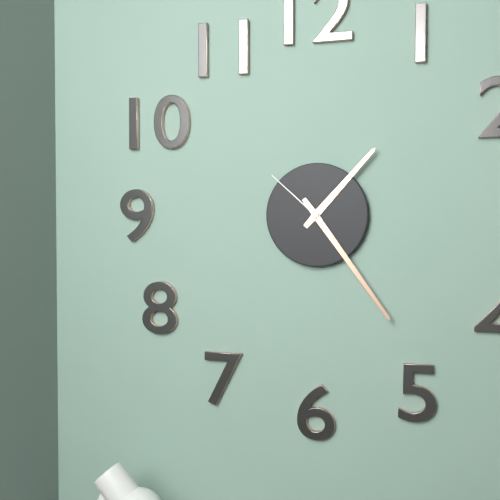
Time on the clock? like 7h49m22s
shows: 1h24m52s
